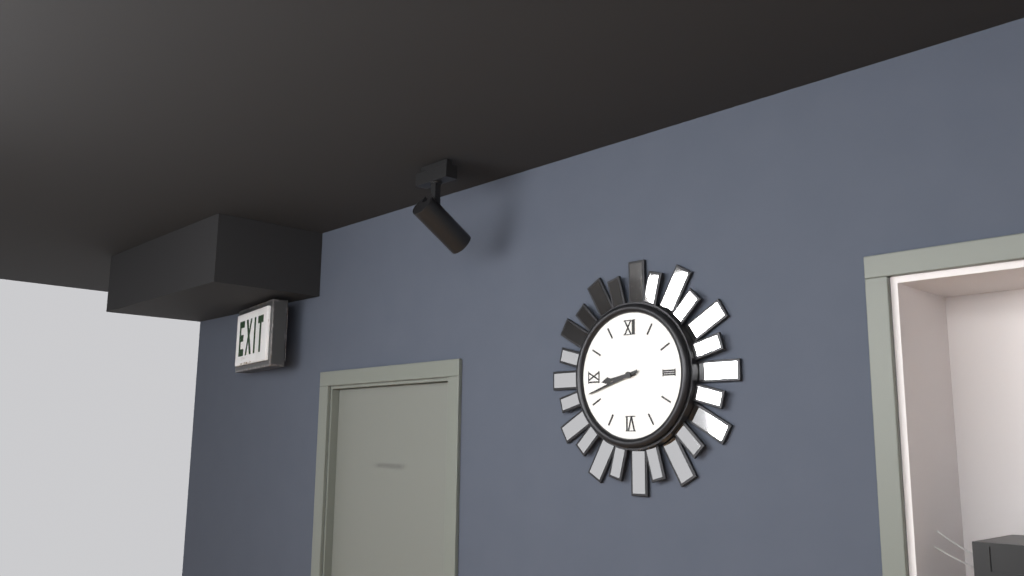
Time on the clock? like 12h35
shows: 8h42
